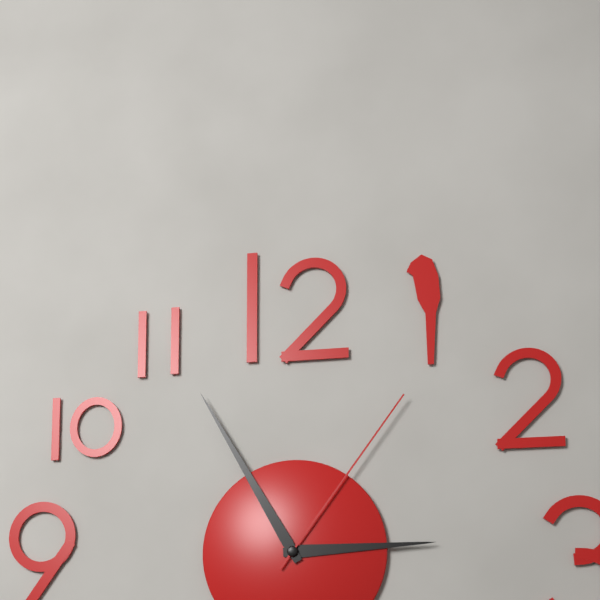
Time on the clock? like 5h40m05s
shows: 2h55m06s
